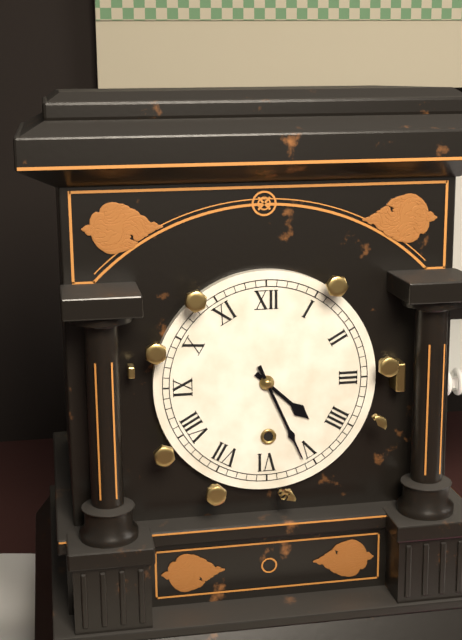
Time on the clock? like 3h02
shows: 4h26
